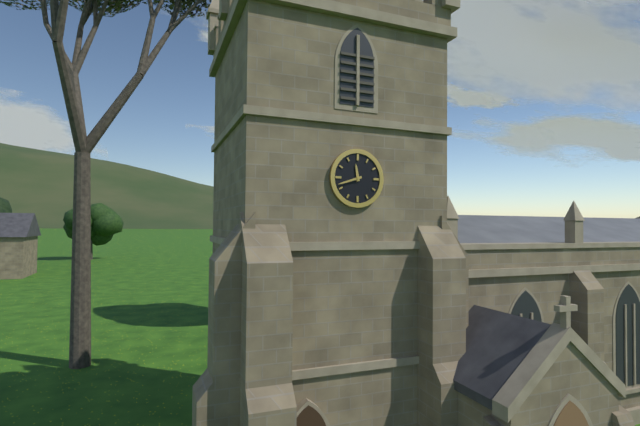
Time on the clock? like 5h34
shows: 11h42
